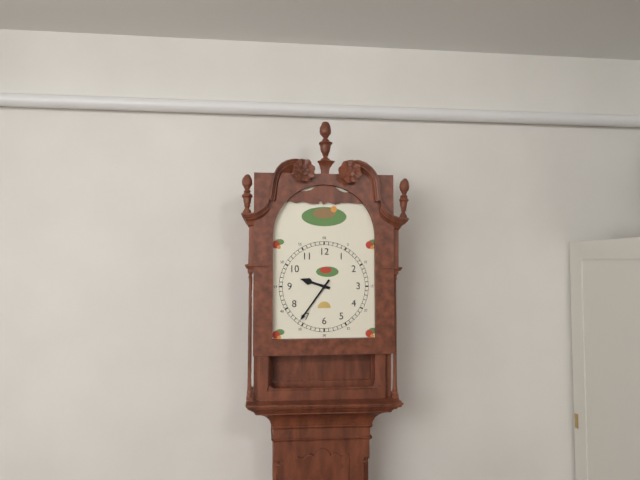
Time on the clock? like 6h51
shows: 9h36
